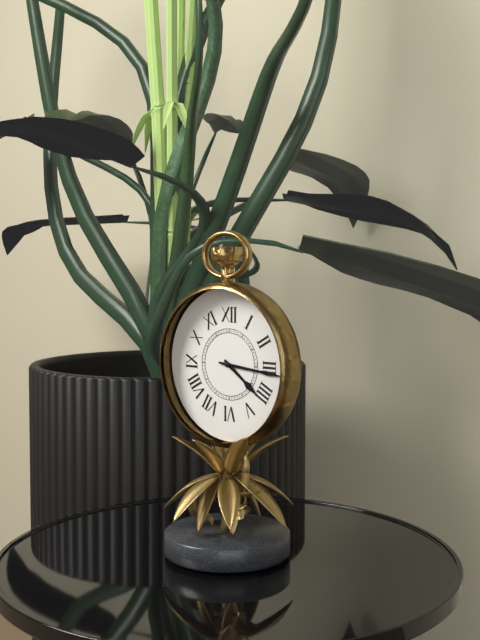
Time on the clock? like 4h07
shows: 4h16
